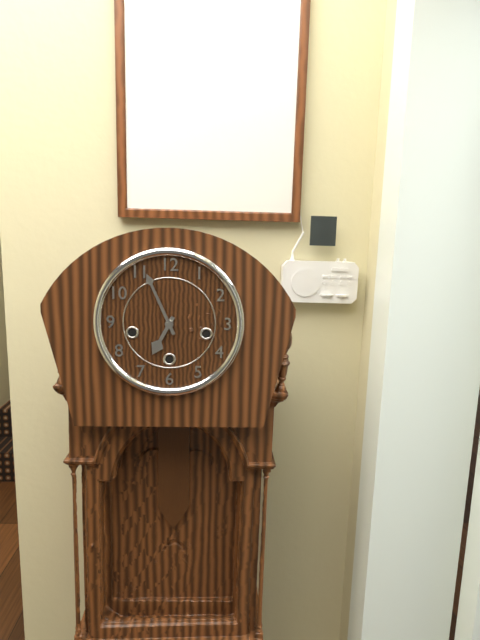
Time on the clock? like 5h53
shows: 6h56
